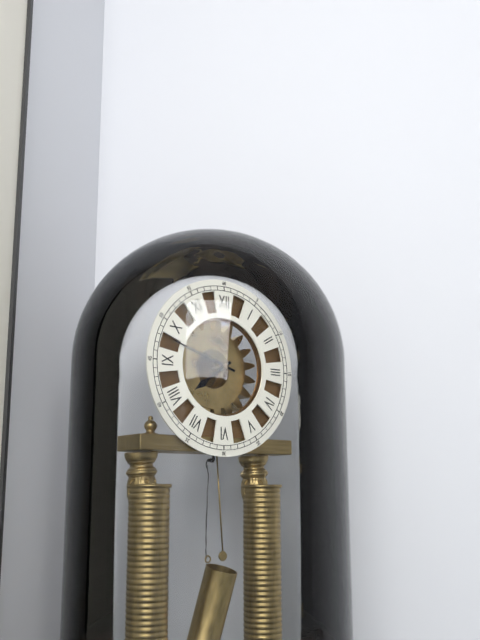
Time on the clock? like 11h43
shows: 7h48
